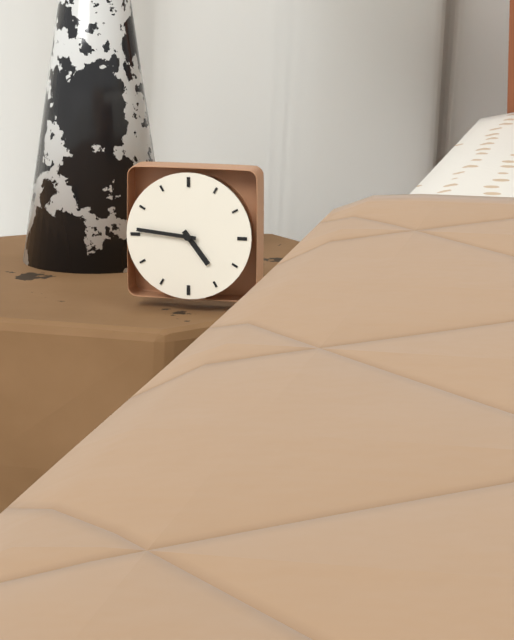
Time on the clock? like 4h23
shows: 4h46
